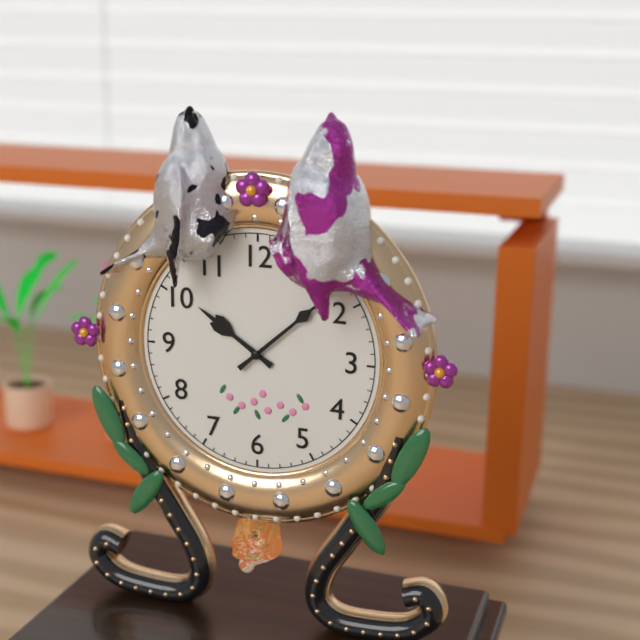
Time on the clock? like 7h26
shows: 10h08
